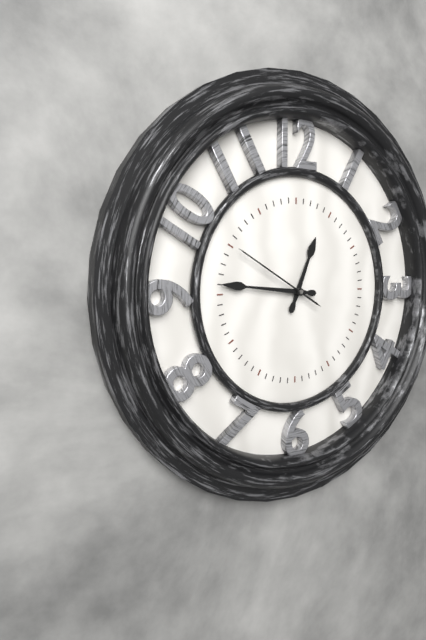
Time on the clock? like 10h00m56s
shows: 12h46m50s
